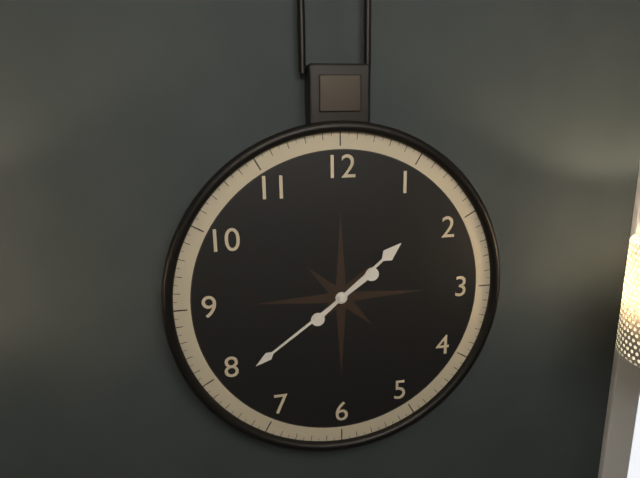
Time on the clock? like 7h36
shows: 1h39
